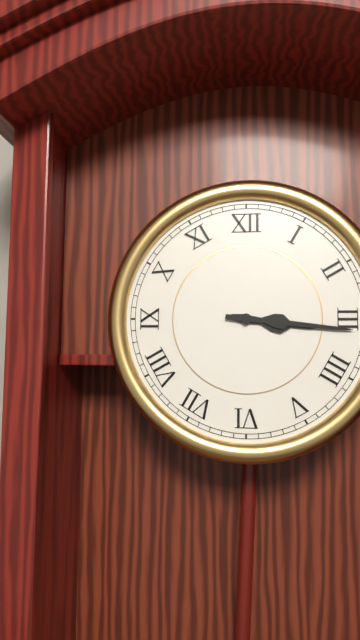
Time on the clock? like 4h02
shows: 3h16
